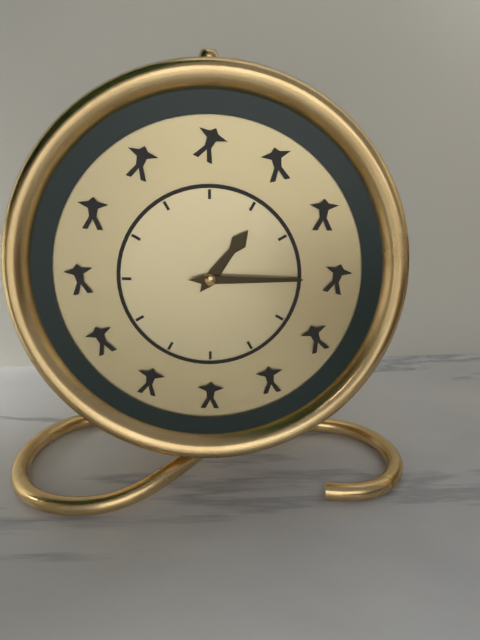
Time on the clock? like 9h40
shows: 1h15
